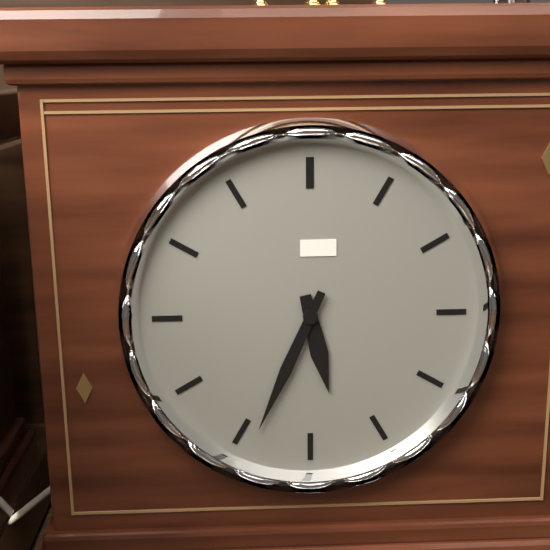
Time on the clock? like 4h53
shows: 5h34
